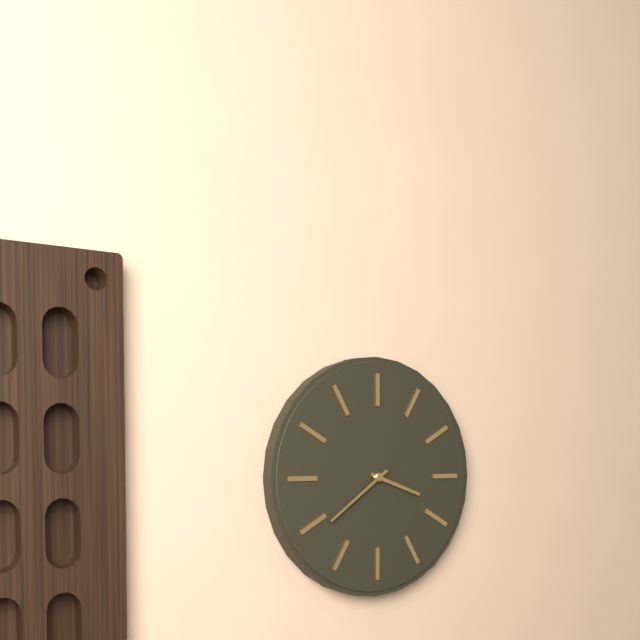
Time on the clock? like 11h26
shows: 3h39
